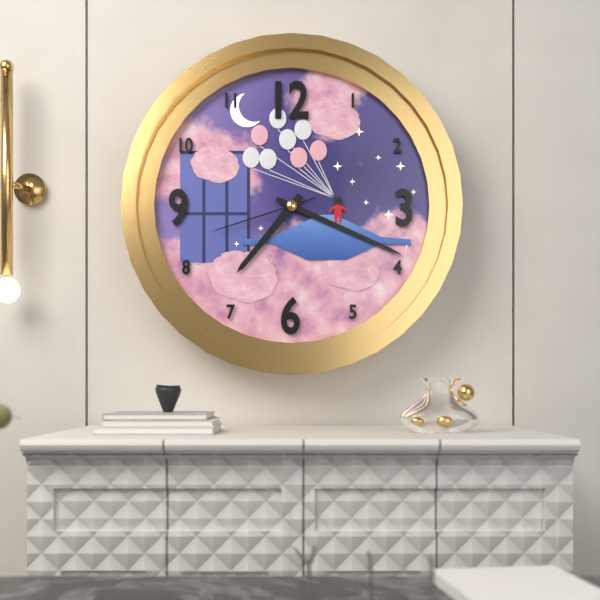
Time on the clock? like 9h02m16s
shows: 7h19m42s
